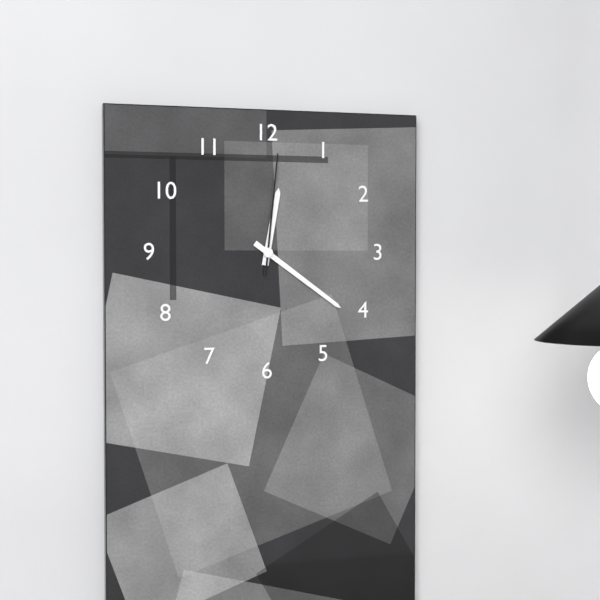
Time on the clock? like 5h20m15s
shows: 12h21m01s
